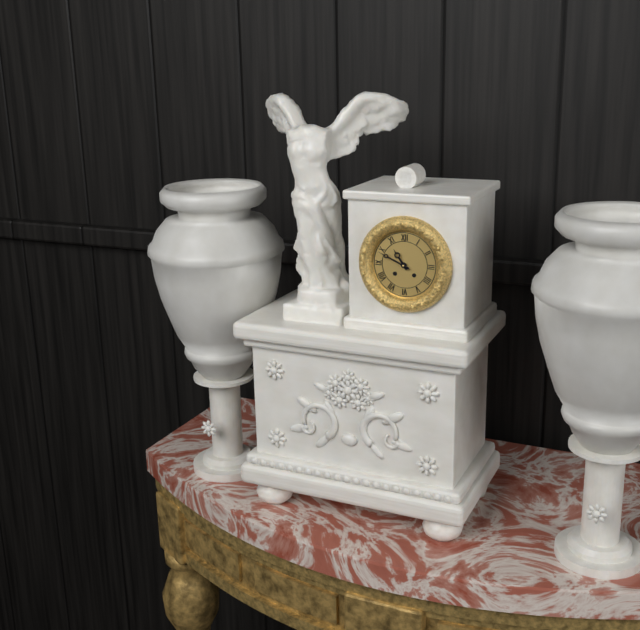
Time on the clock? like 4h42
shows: 10h49
